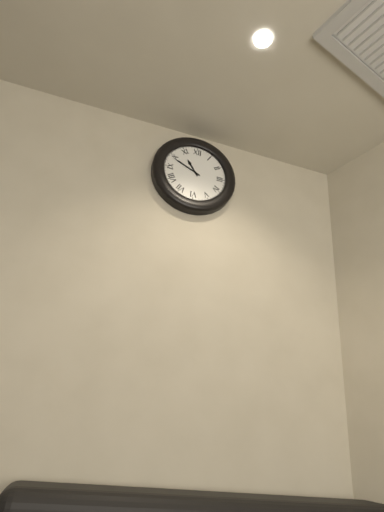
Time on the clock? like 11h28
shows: 10h49
